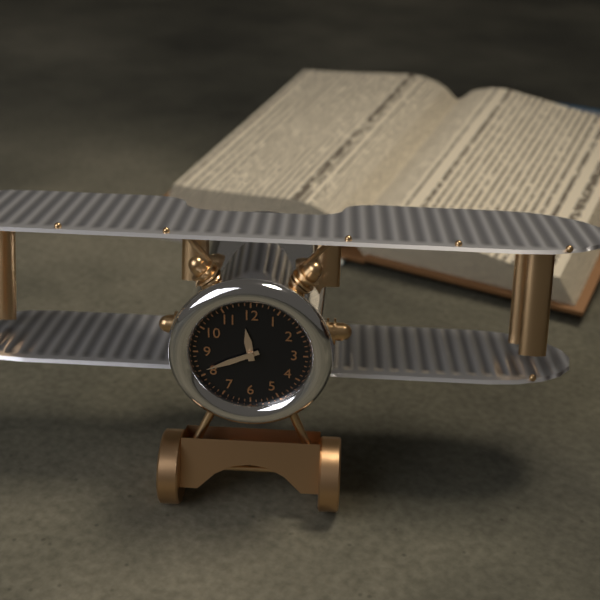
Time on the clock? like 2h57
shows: 11h41
